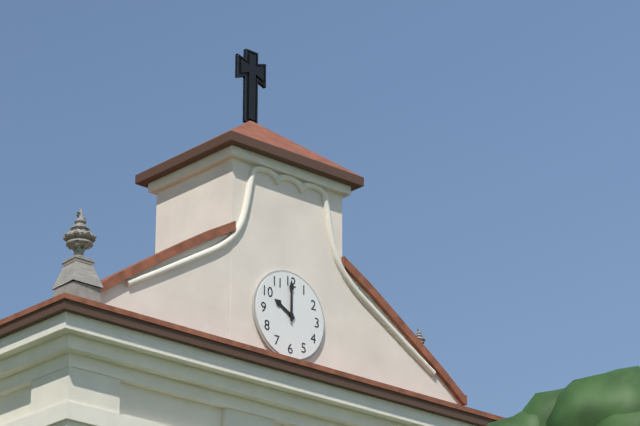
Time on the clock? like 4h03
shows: 10h00
